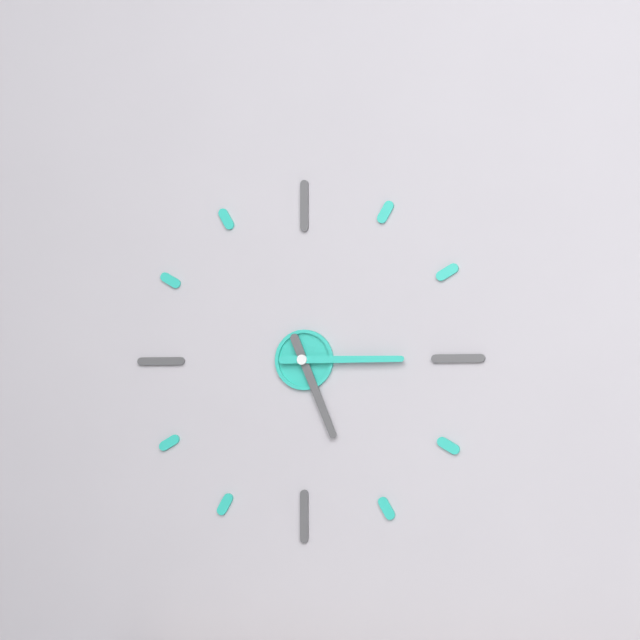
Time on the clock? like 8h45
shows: 5h15
